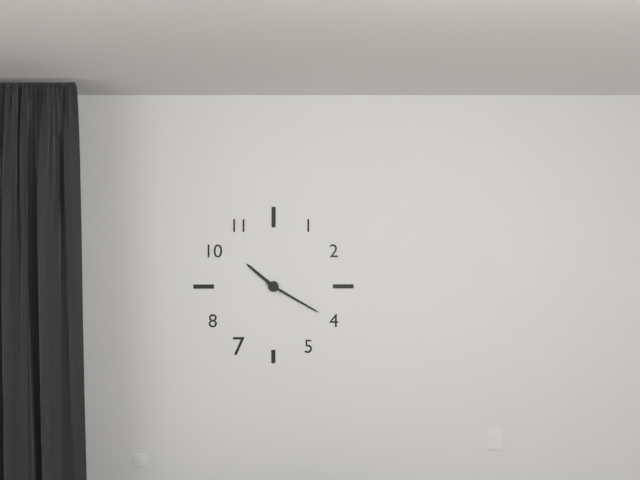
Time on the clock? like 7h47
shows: 10h20
